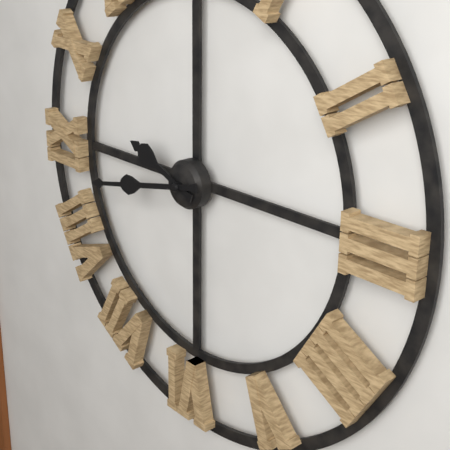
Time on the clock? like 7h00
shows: 9h43
